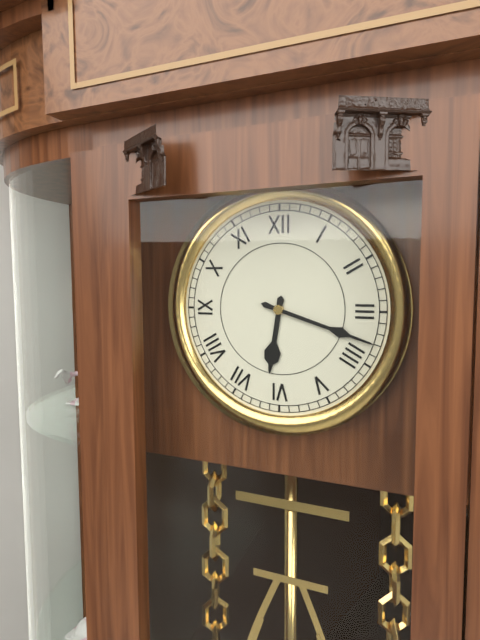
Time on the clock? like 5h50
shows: 6h18
